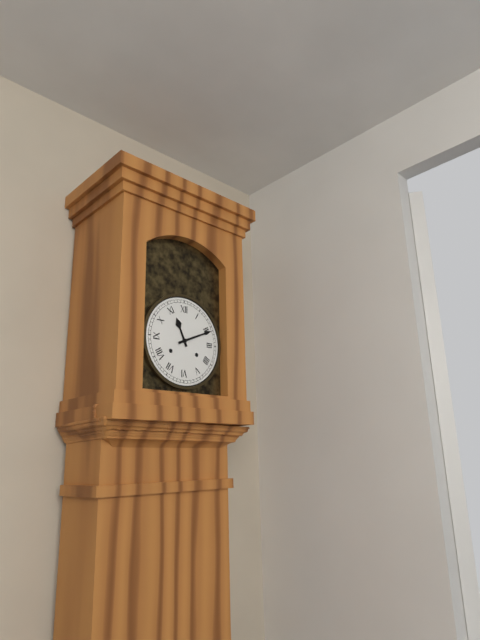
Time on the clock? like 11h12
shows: 11h11
